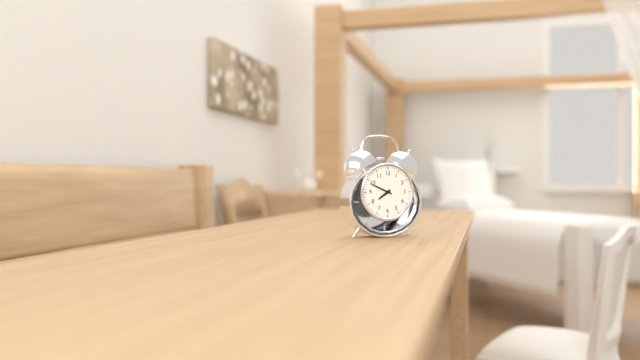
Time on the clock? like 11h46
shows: 7h49
